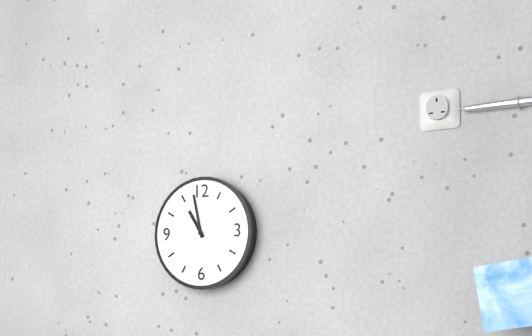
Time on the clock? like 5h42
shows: 10h58
